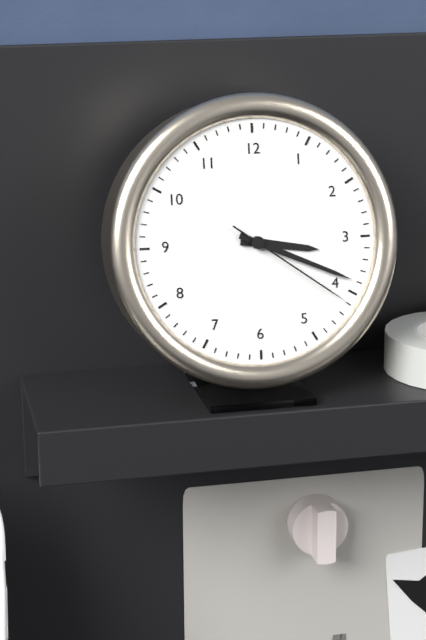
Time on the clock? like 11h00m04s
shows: 3h19m21s
